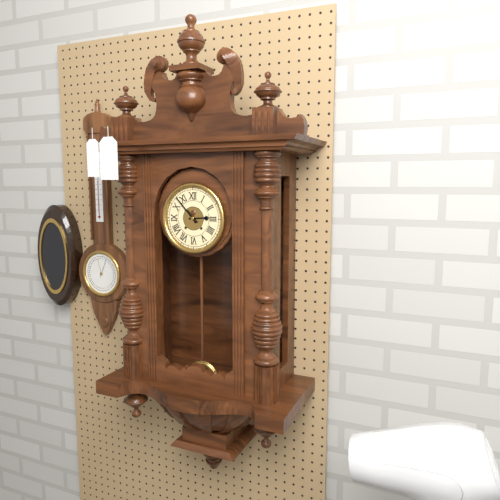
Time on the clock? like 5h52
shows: 2h53
